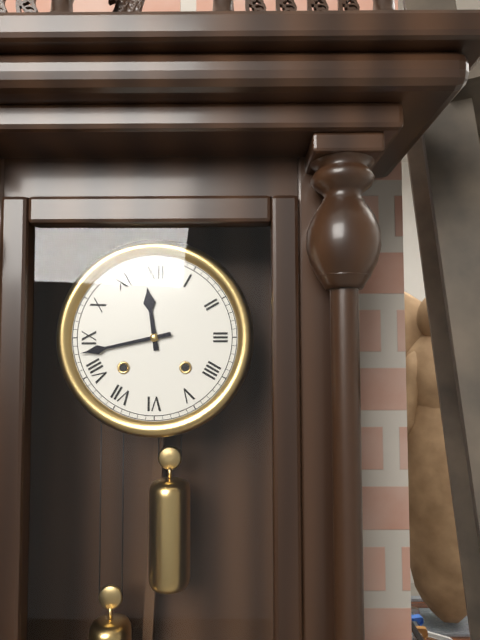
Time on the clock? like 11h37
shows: 11h43
